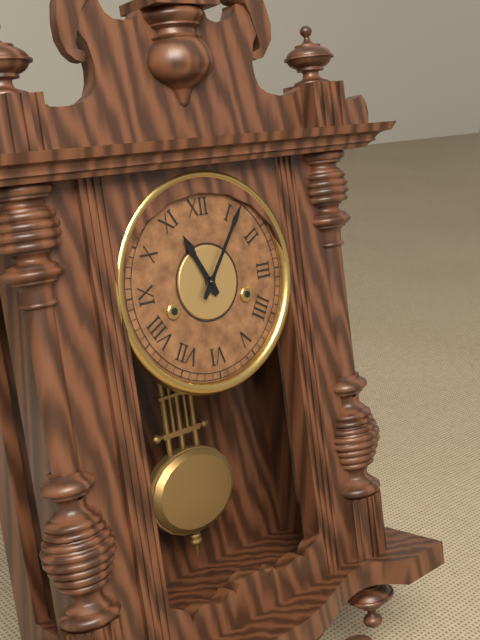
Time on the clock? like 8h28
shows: 11h06
